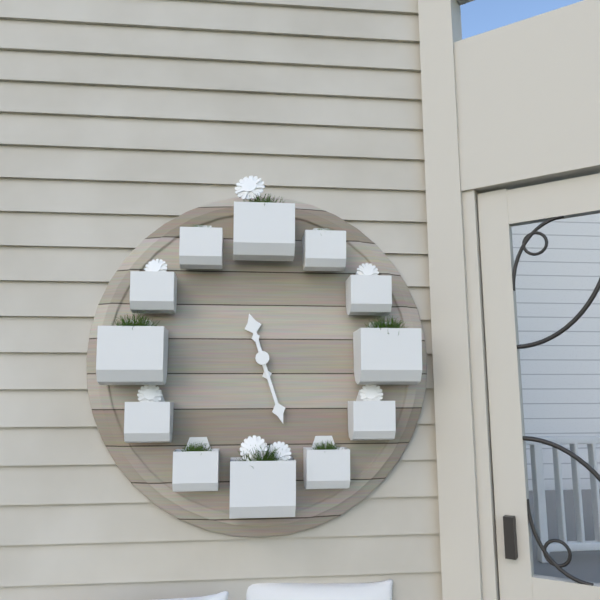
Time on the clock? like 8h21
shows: 11h27
